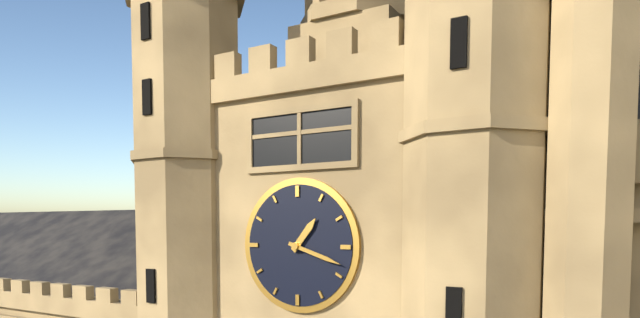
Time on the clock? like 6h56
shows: 1h18
